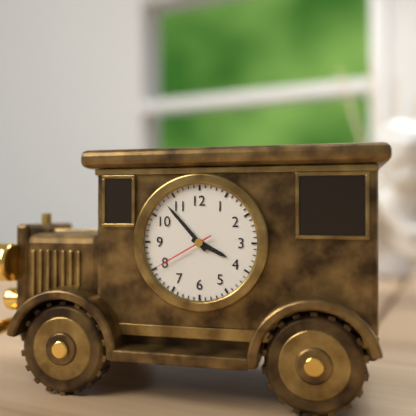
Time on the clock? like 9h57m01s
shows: 3h53m40s
